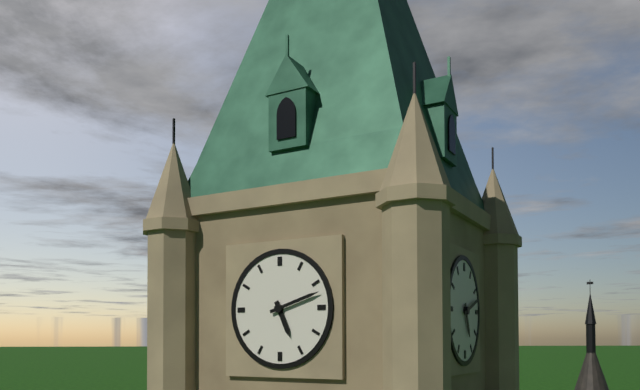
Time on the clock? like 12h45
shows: 5h12
